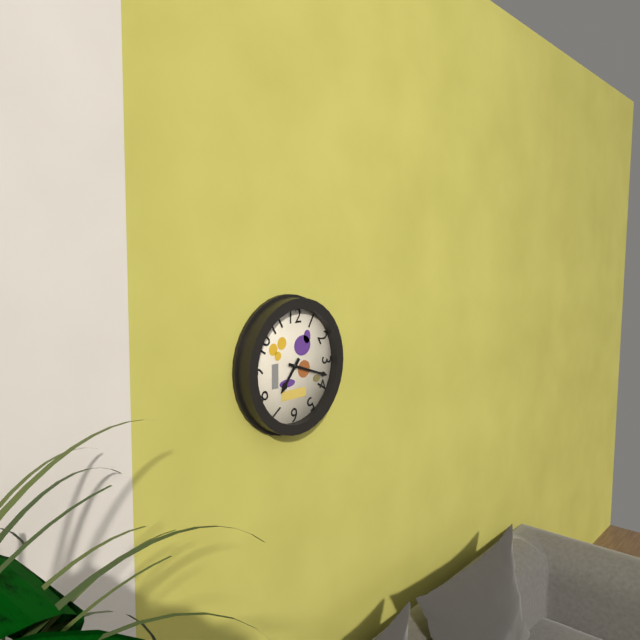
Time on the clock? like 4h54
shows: 7h18
